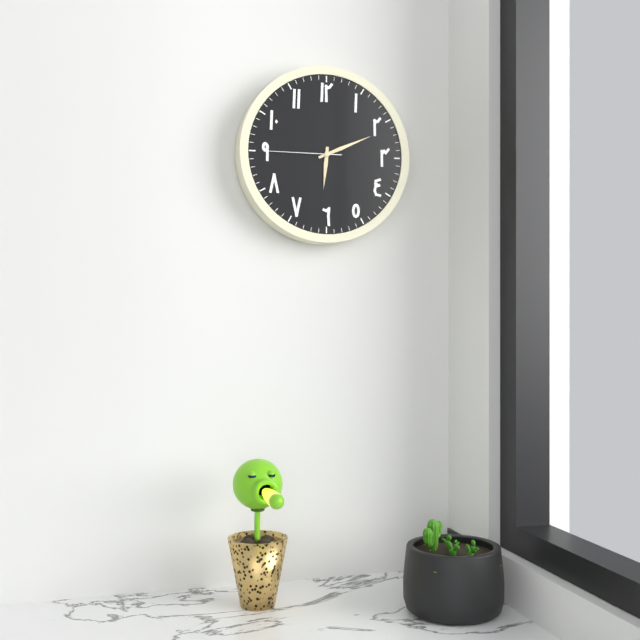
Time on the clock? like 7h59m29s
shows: 6h11m45s
